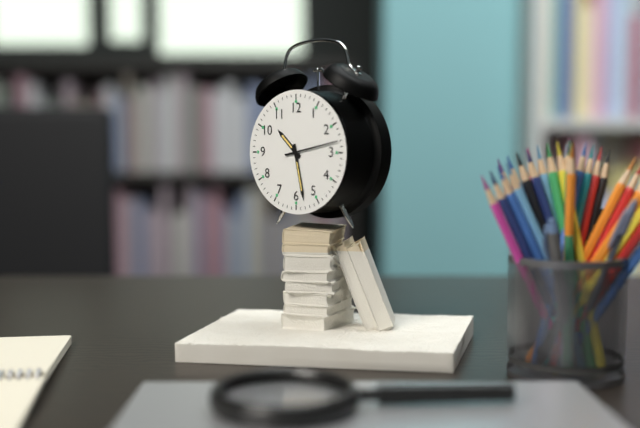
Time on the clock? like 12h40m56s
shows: 10h28m13s
